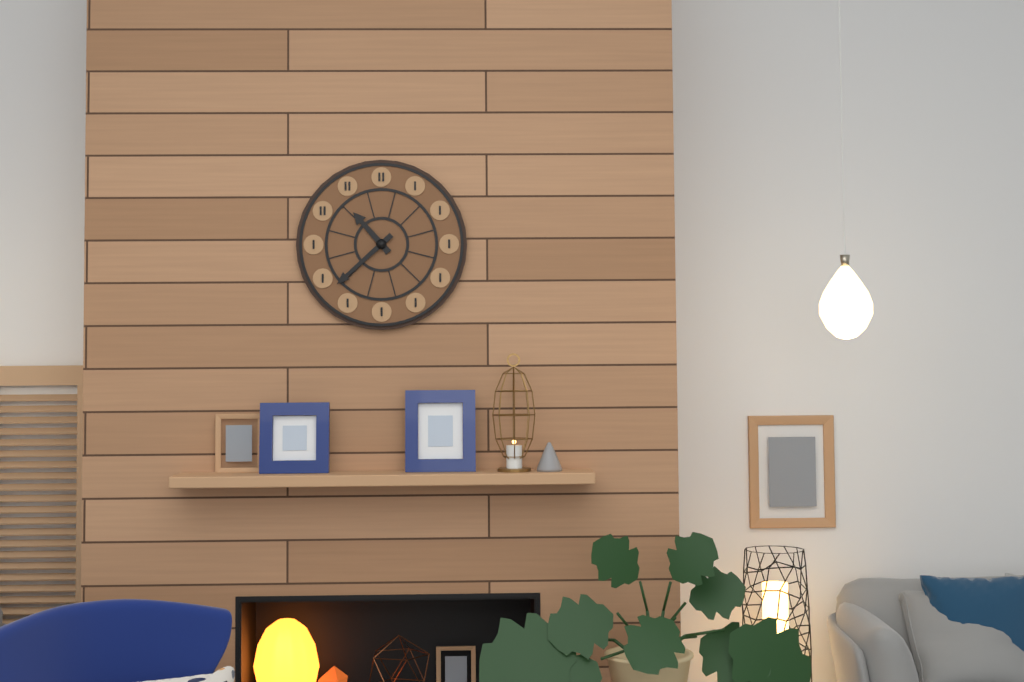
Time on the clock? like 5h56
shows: 10h38
